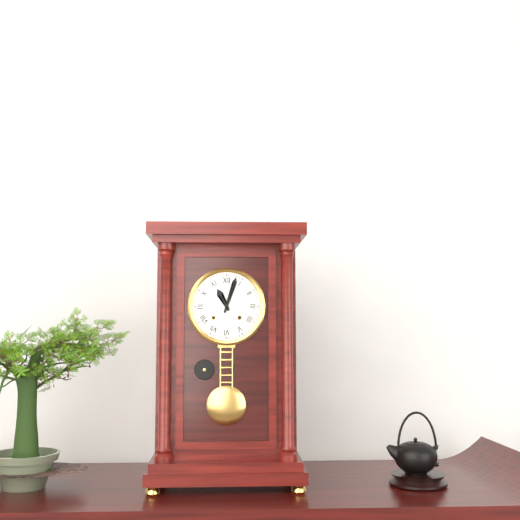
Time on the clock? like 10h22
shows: 11h03
